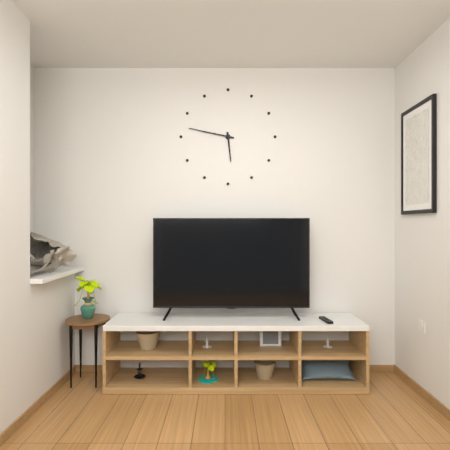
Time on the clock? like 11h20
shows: 5h47
